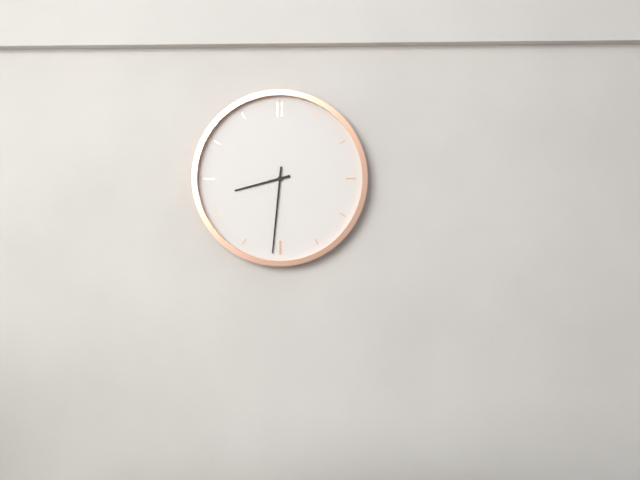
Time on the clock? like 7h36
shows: 8h31
